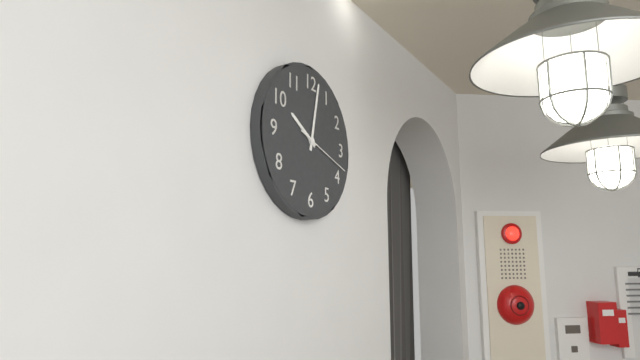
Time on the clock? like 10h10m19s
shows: 10h02m18s
